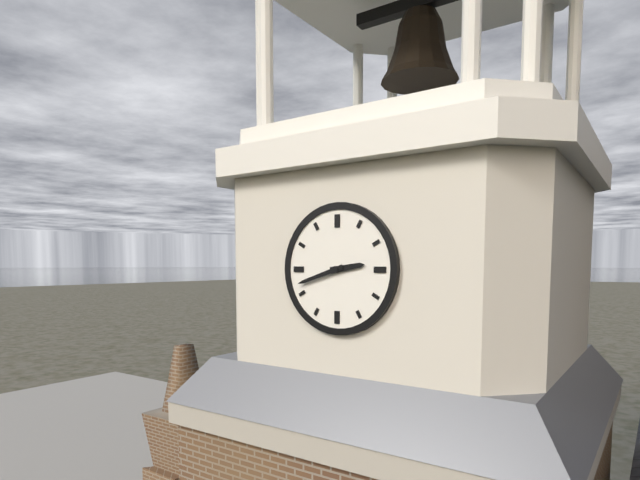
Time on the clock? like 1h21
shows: 2h42
